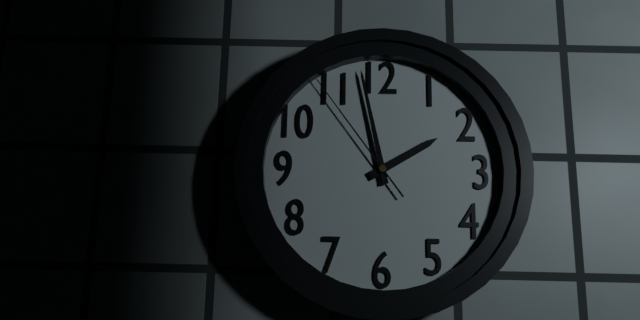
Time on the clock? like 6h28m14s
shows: 1h58m54s
